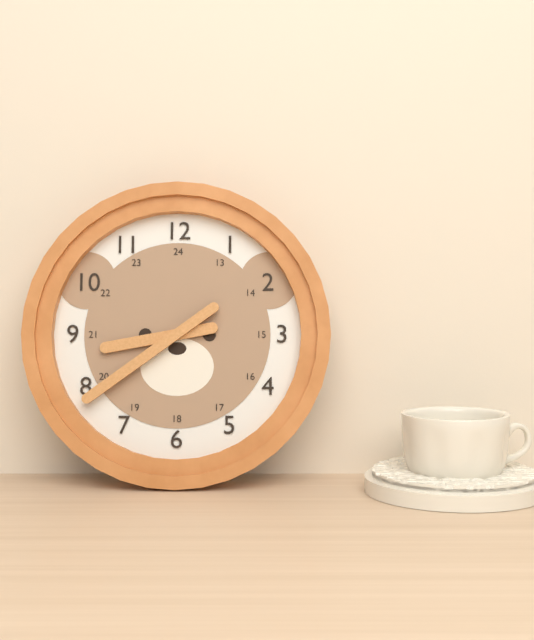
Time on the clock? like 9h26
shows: 8h39
